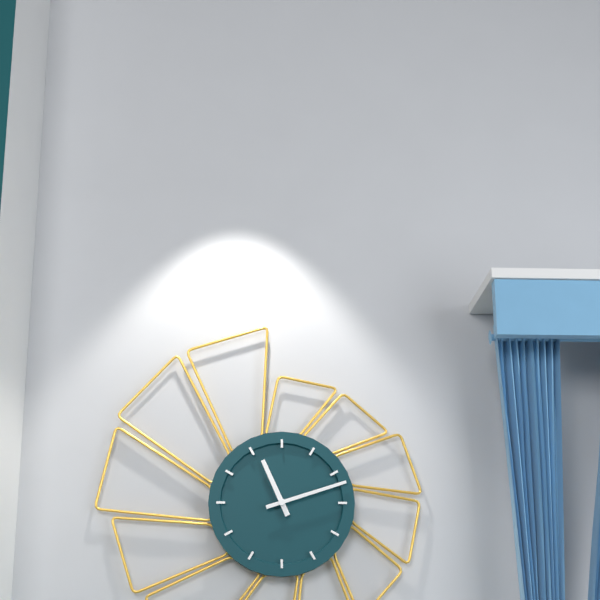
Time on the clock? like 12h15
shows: 11h12
